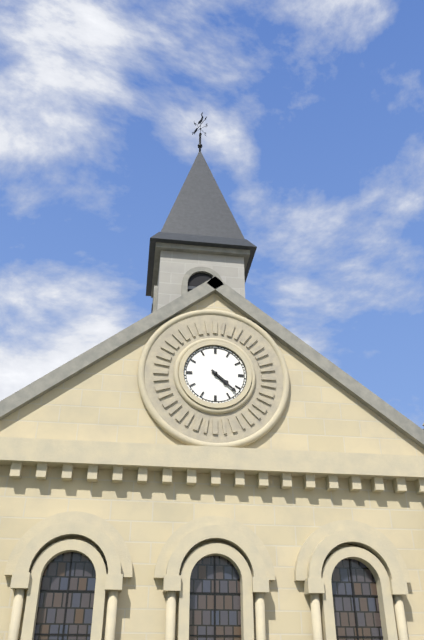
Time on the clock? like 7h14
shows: 4h22
